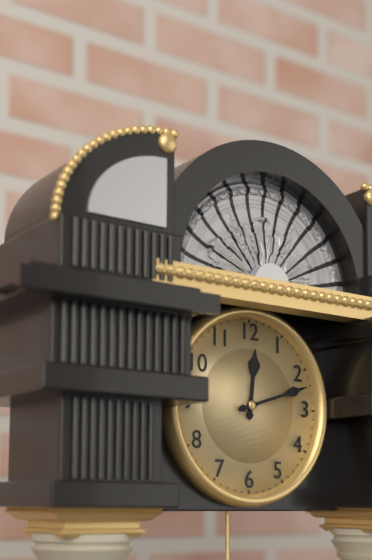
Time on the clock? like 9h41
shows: 12h12
